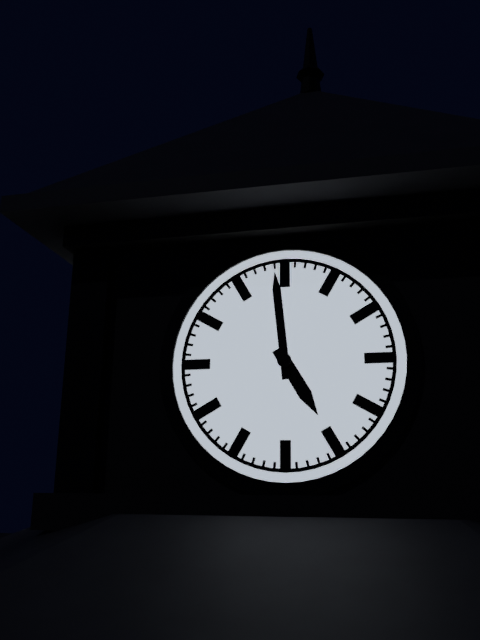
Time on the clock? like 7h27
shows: 4h59
